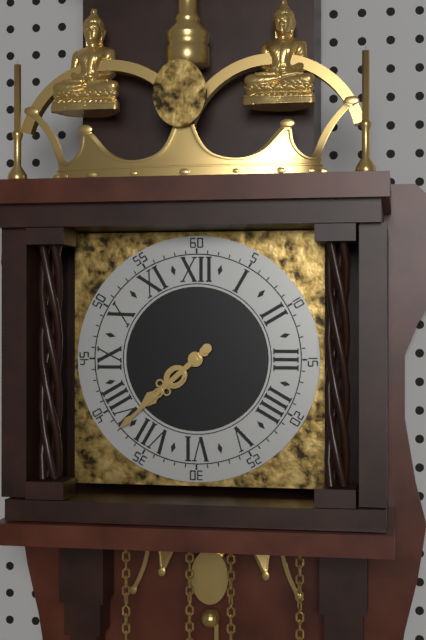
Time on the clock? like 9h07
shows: 7h38
